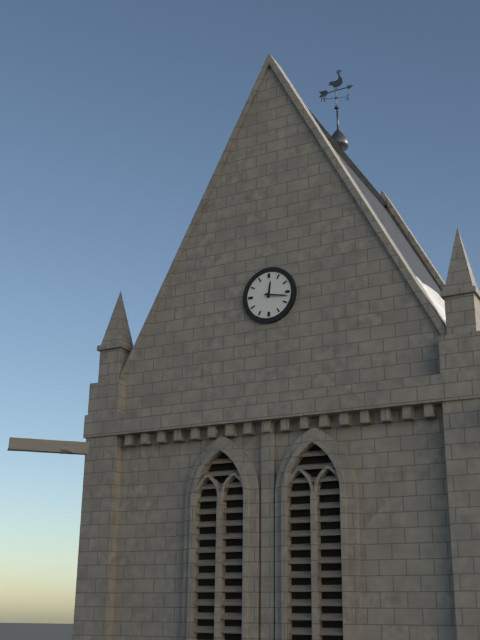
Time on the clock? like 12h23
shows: 12h17
